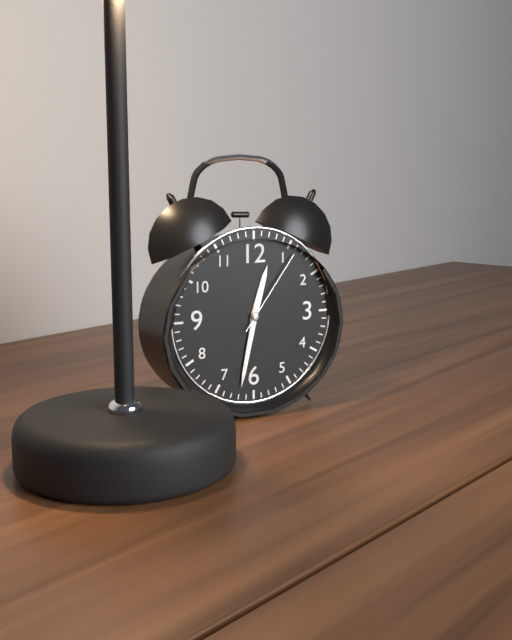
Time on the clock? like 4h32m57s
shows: 12h32m06s
